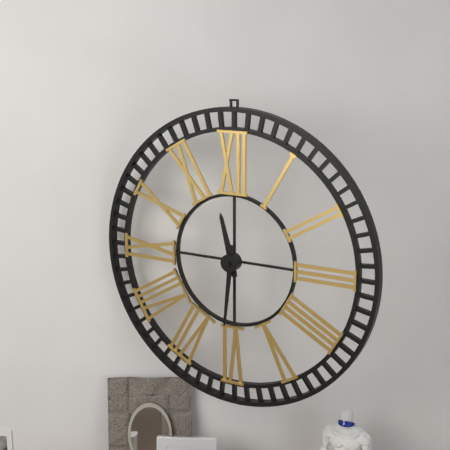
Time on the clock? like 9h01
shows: 11h31
